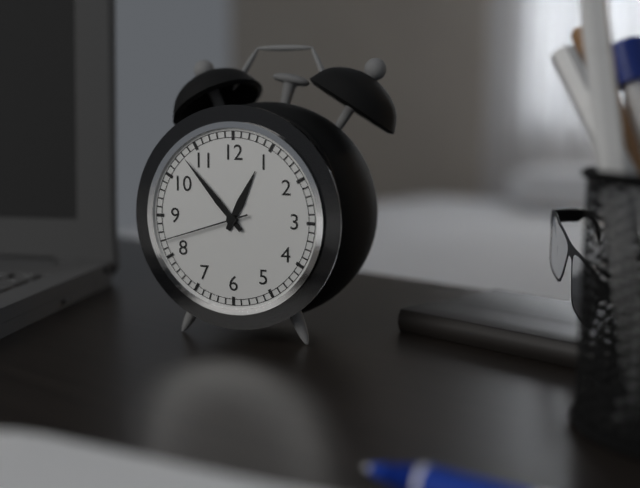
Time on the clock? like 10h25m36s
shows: 12h53m42s
